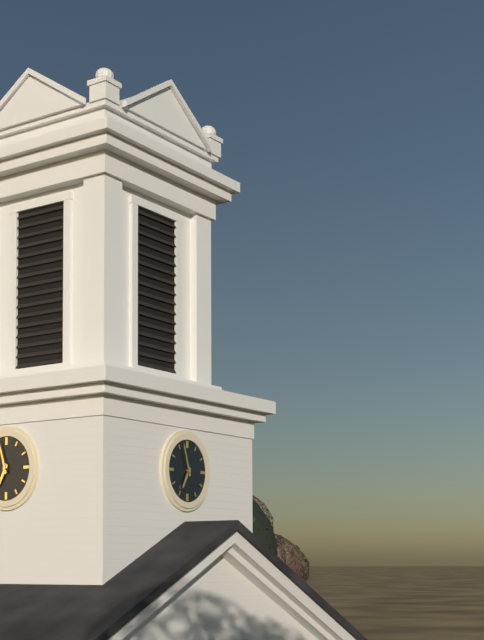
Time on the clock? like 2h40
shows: 6h57
